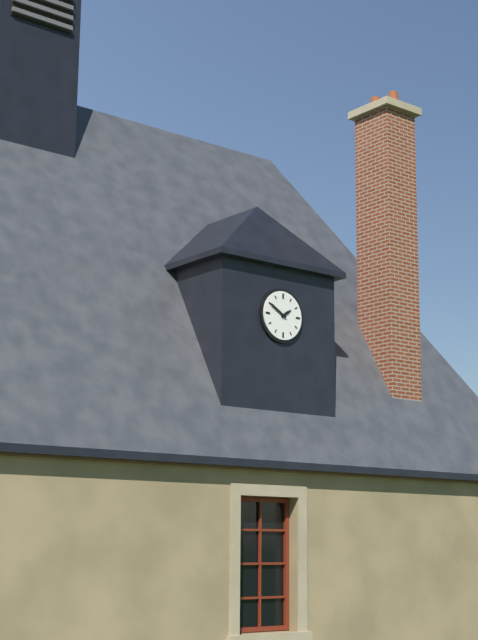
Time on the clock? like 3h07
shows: 1h50
